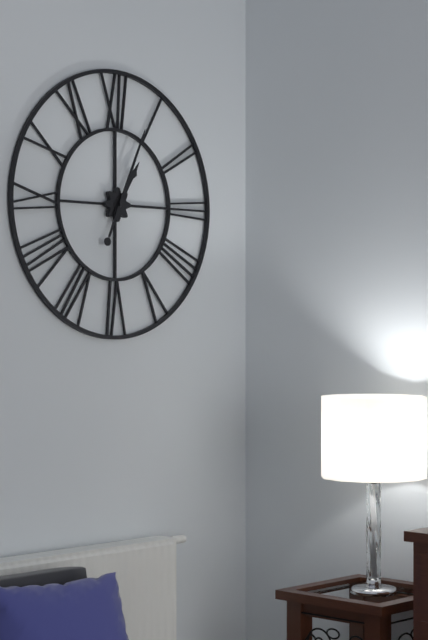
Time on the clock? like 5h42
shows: 1h04
